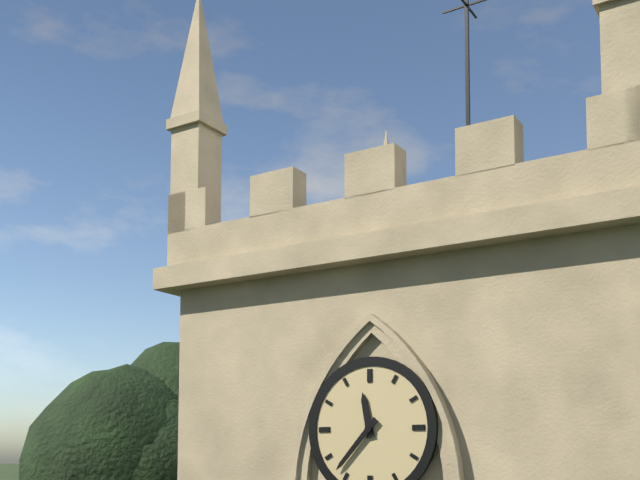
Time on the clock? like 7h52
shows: 11h37
